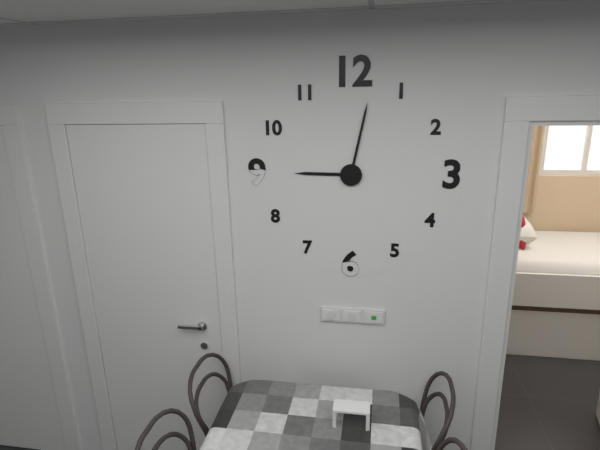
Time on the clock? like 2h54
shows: 9h02
